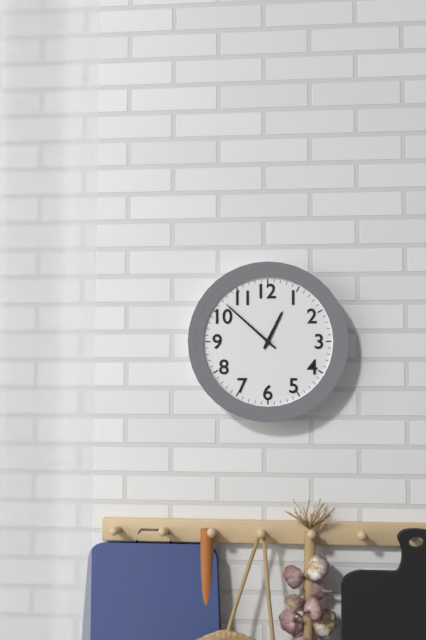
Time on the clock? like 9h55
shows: 12h52
